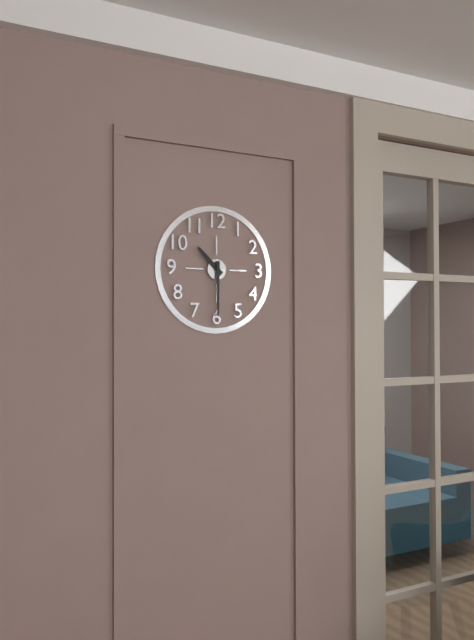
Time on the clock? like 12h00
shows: 10h30
